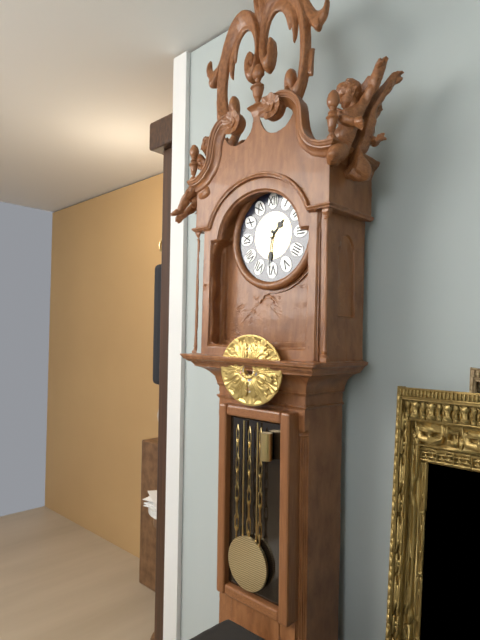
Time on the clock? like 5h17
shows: 1h31
